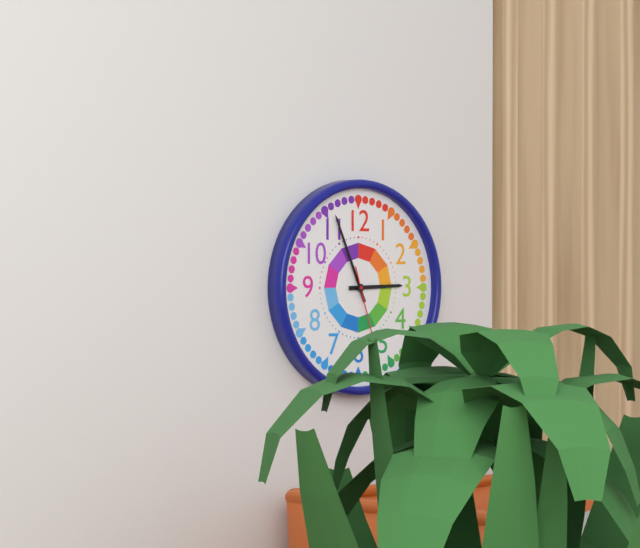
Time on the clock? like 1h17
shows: 2h56
